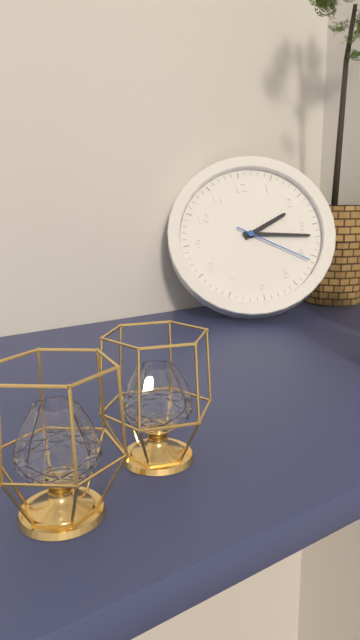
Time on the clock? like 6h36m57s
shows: 2h17m21s
